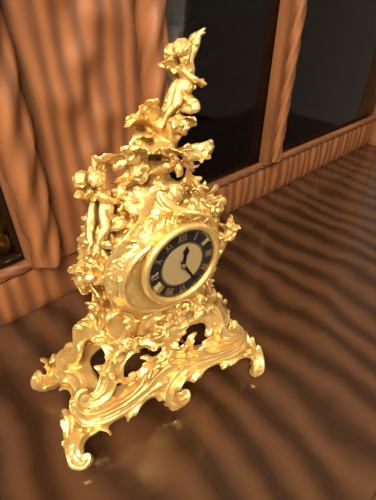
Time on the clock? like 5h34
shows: 12h25
